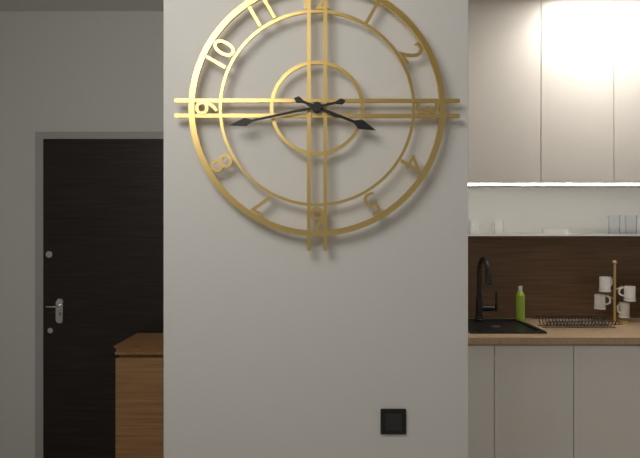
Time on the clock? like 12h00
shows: 3h43
